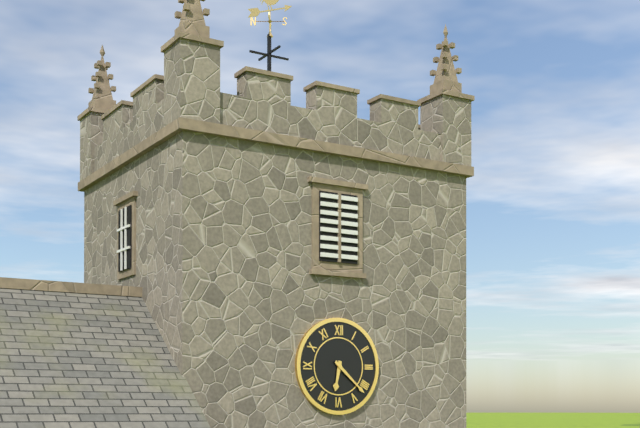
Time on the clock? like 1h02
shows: 6h22
